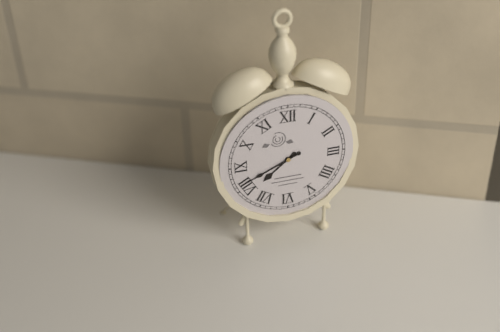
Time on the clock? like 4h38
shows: 7h41
